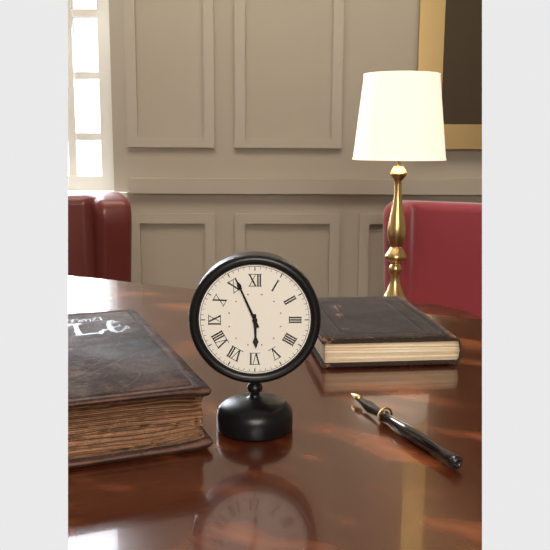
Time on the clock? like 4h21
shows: 5h56
